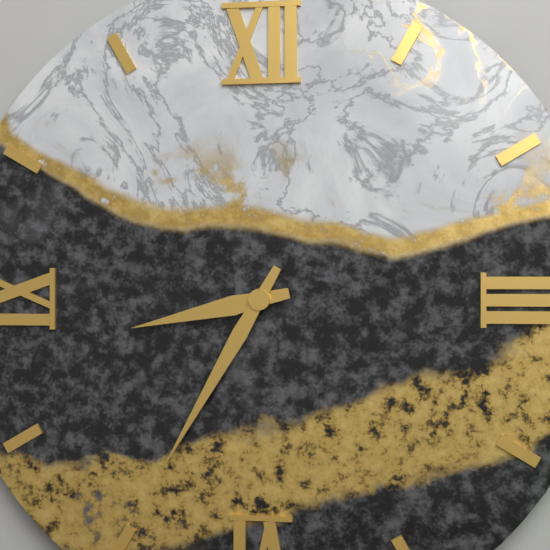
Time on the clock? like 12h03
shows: 8h35
